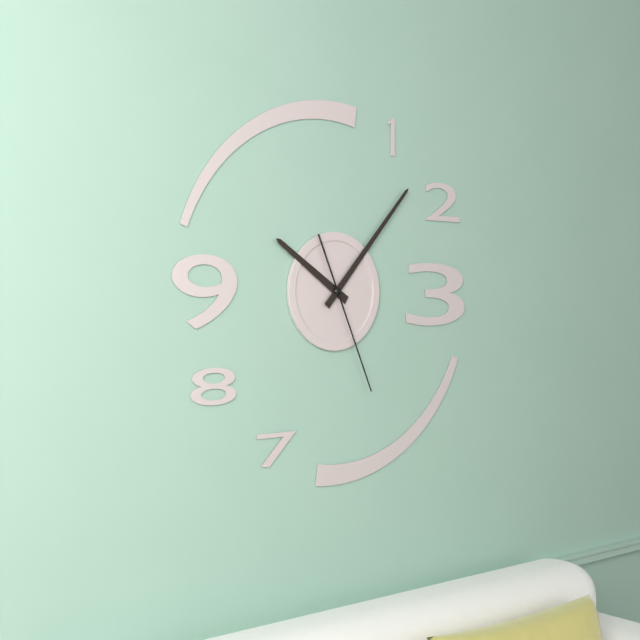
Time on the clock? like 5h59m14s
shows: 10h07m26s
